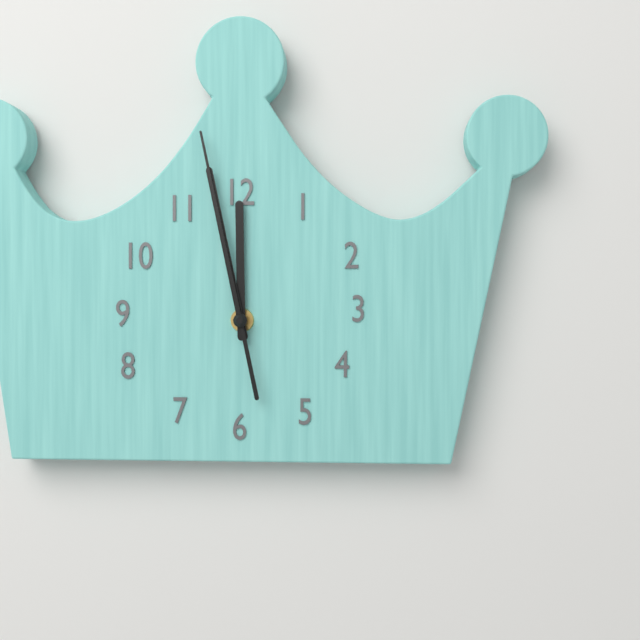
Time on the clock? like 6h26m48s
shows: 11h58m58s
